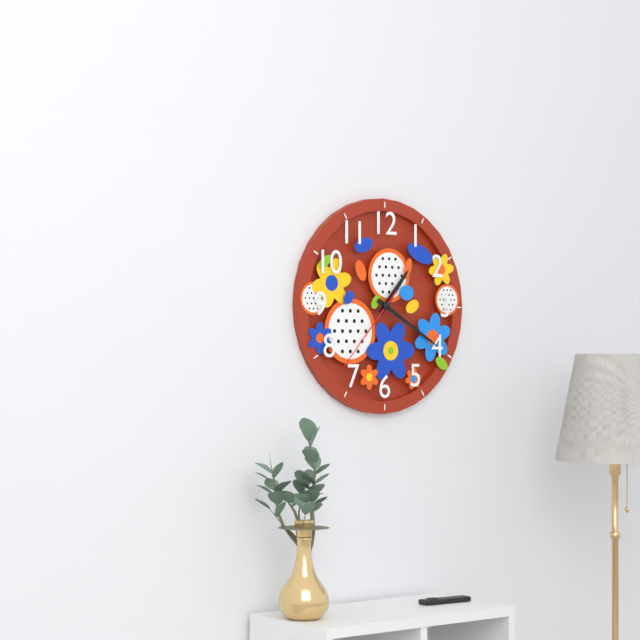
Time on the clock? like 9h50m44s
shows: 1h20m37s
